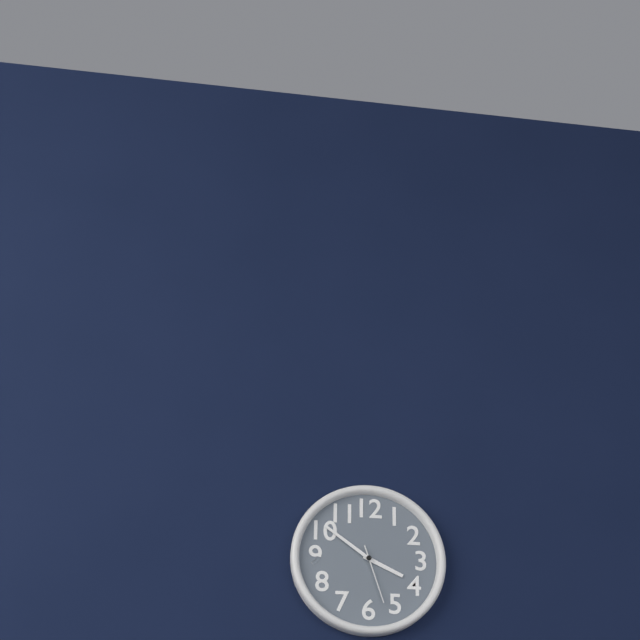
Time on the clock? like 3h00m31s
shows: 3h51m27s
